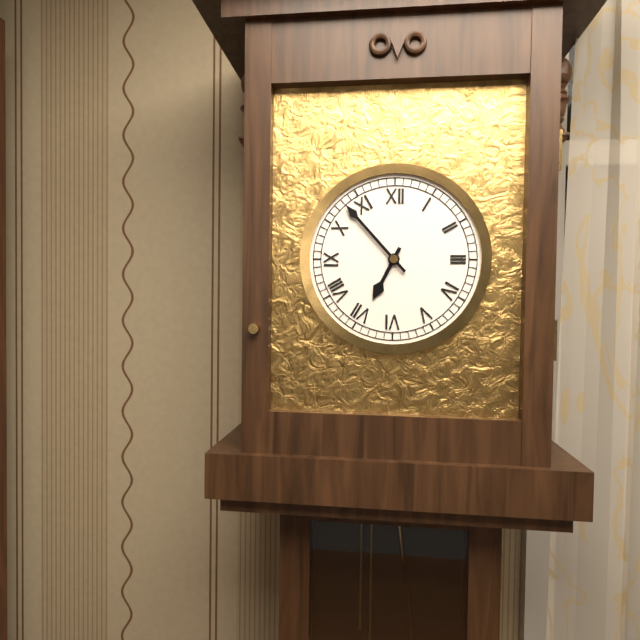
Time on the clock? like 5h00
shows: 6h53
